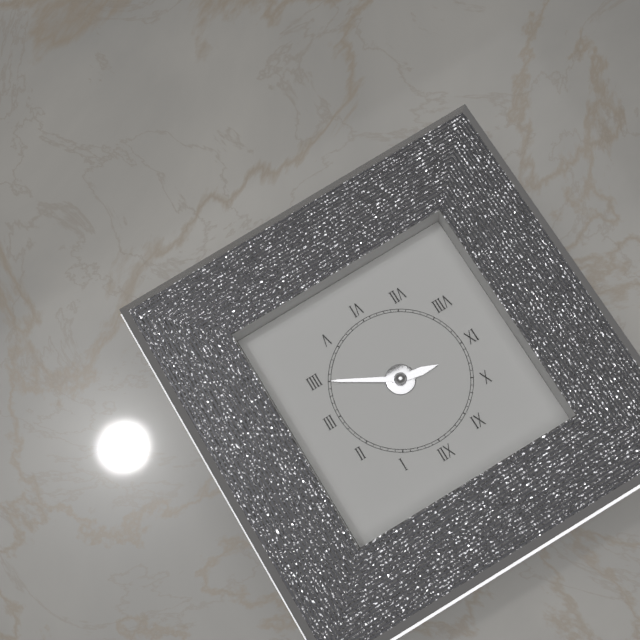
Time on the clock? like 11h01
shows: 9h20
